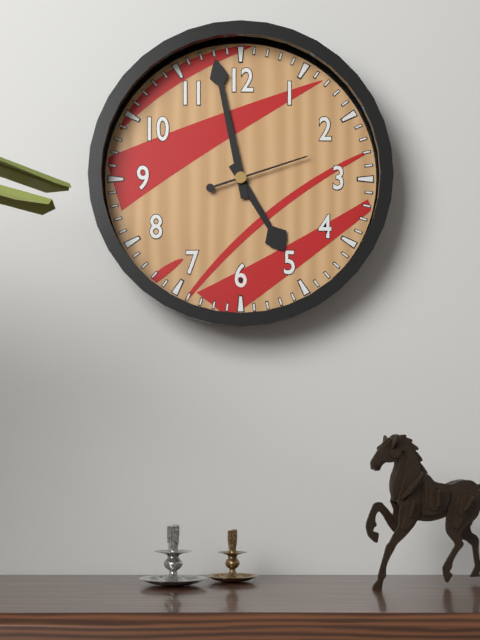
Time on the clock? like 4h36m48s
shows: 4h58m12s
